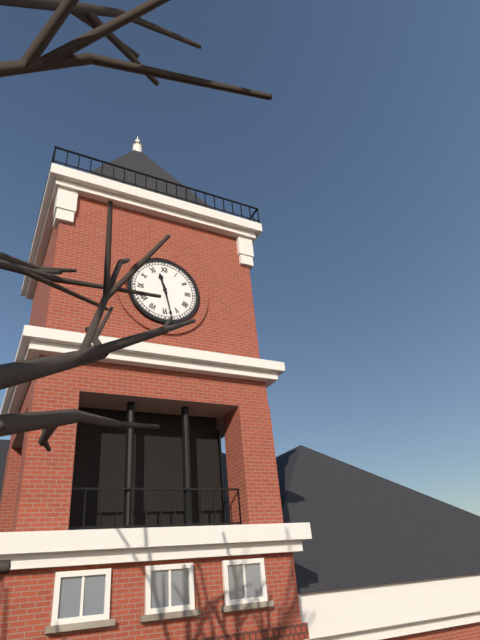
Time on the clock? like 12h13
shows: 11h28
